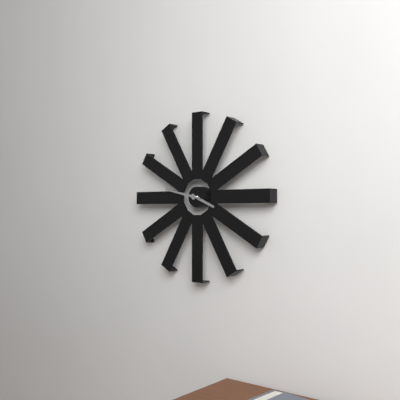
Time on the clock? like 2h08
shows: 3h47
